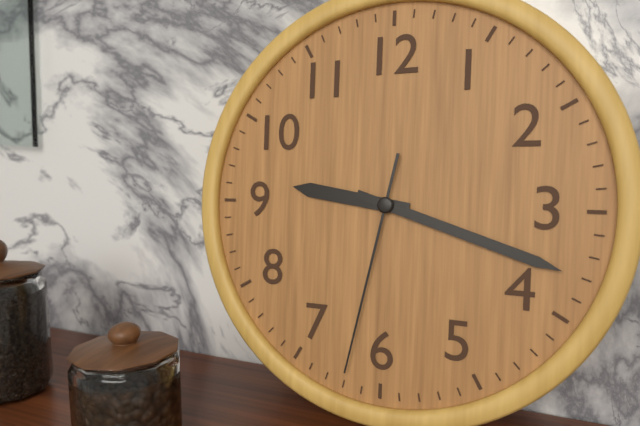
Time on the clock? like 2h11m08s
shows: 9h18m32s
